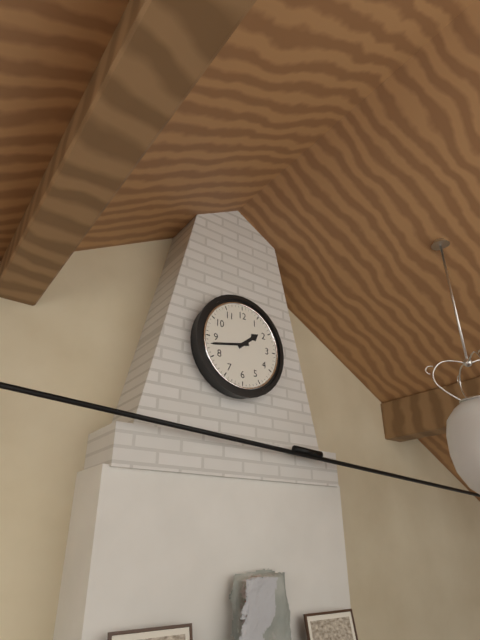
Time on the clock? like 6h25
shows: 1h43
